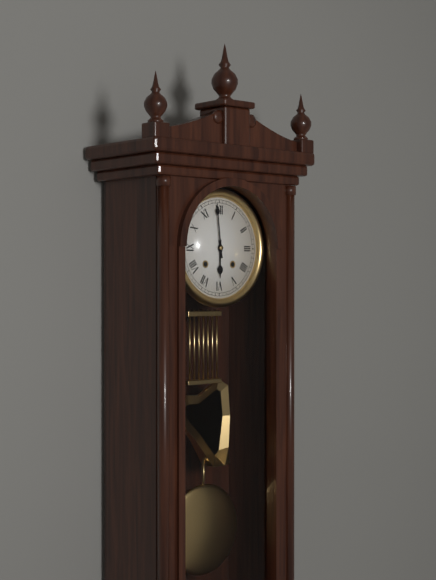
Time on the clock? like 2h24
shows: 5h59
